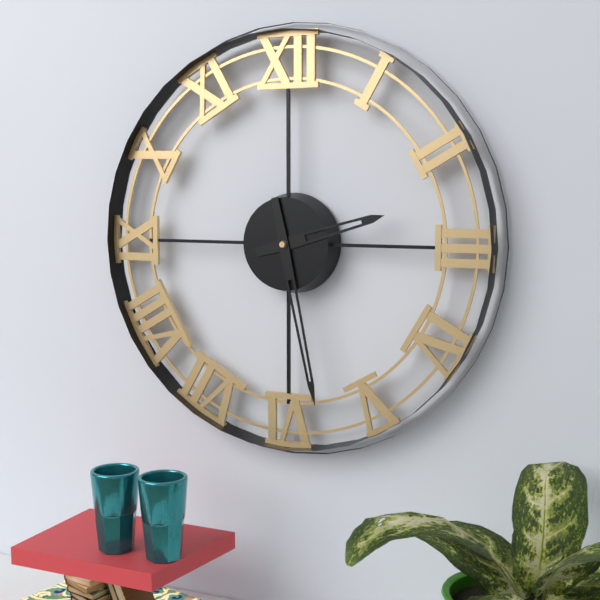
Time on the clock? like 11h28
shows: 2h28
